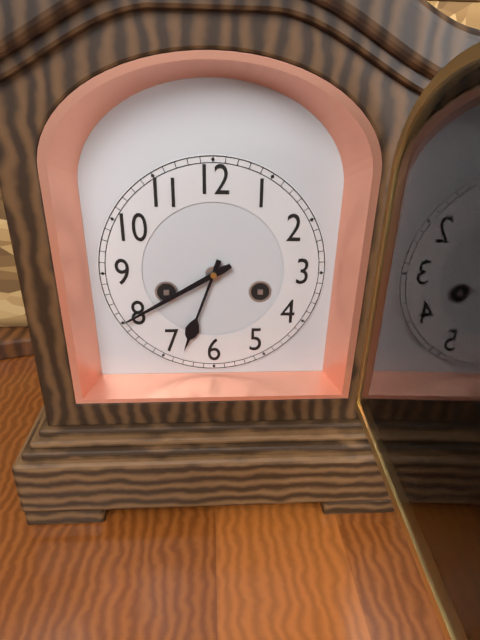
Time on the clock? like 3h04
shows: 6h40
